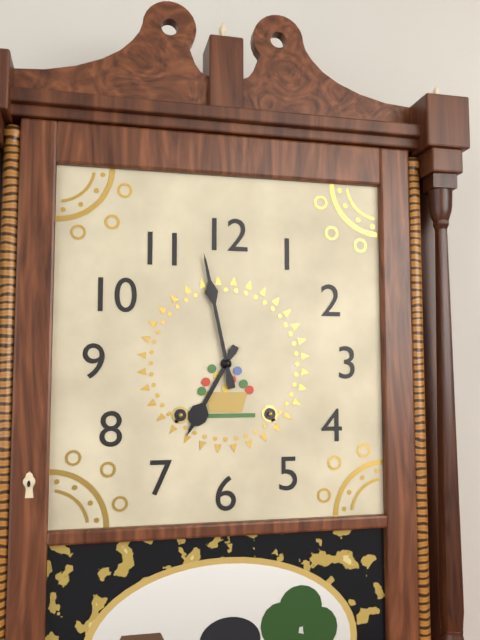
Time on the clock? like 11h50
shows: 6h58
